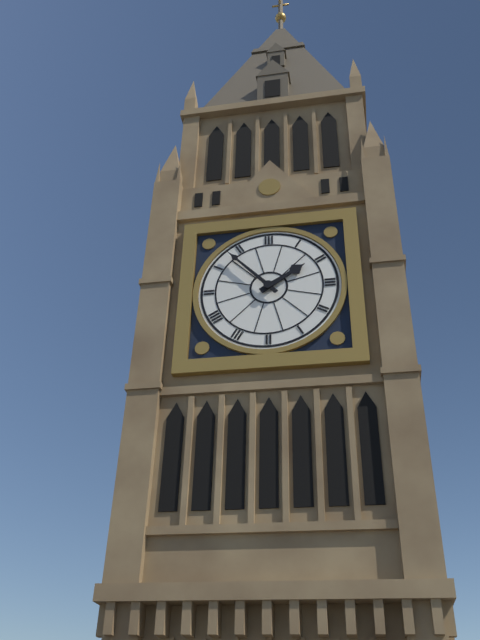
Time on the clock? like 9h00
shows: 1h53
